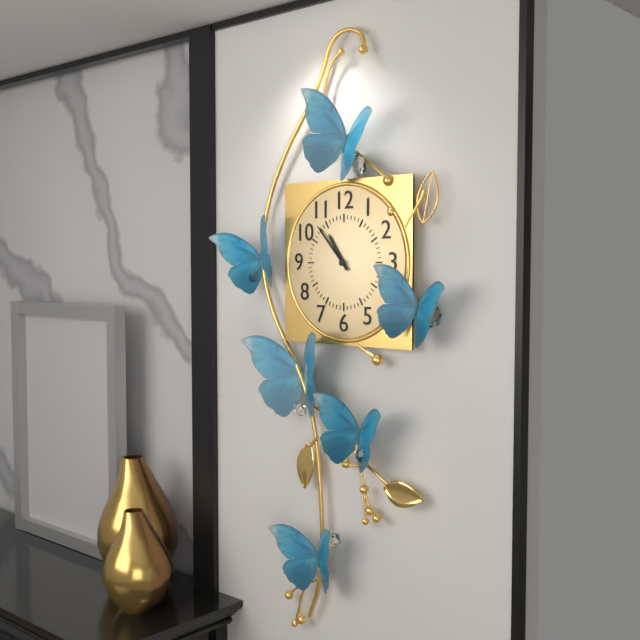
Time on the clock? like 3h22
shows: 10h53
